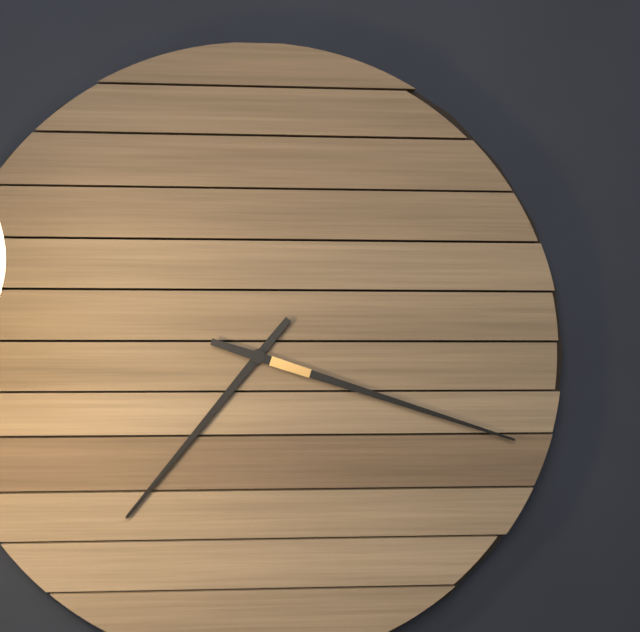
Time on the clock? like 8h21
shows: 7h18
